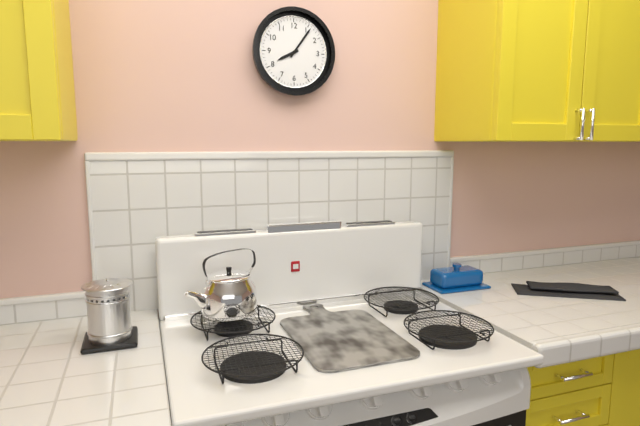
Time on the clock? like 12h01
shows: 8h06
